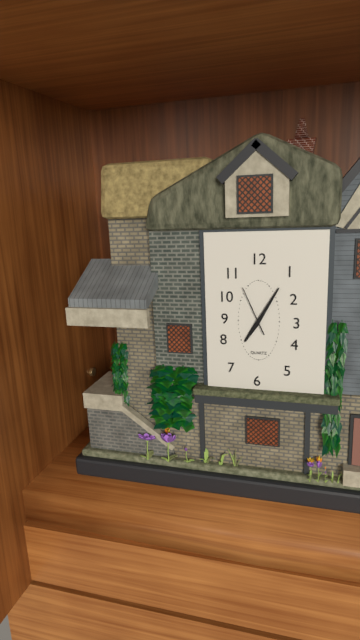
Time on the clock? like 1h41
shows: 7h05
